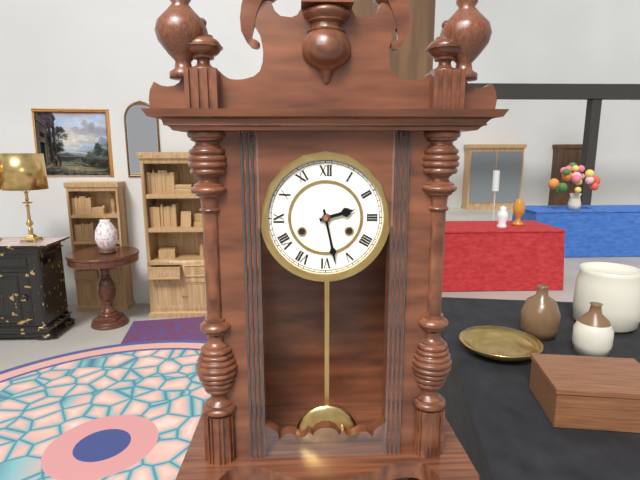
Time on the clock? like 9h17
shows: 2h28
